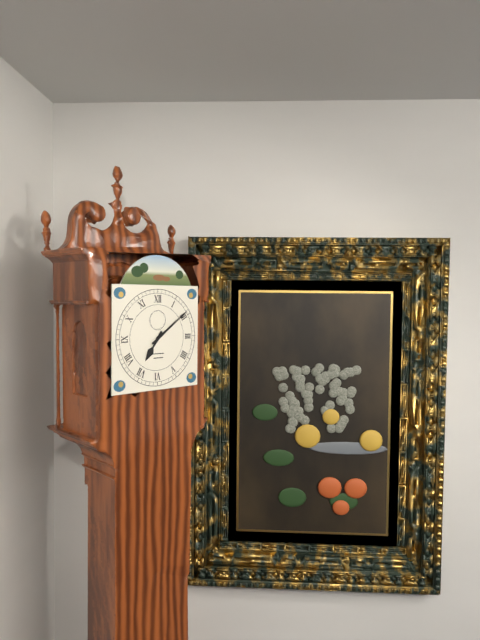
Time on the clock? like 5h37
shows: 7h09
